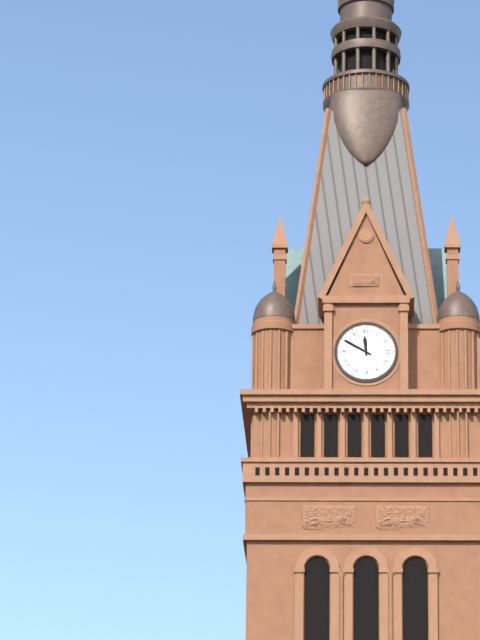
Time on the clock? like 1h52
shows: 11h50
